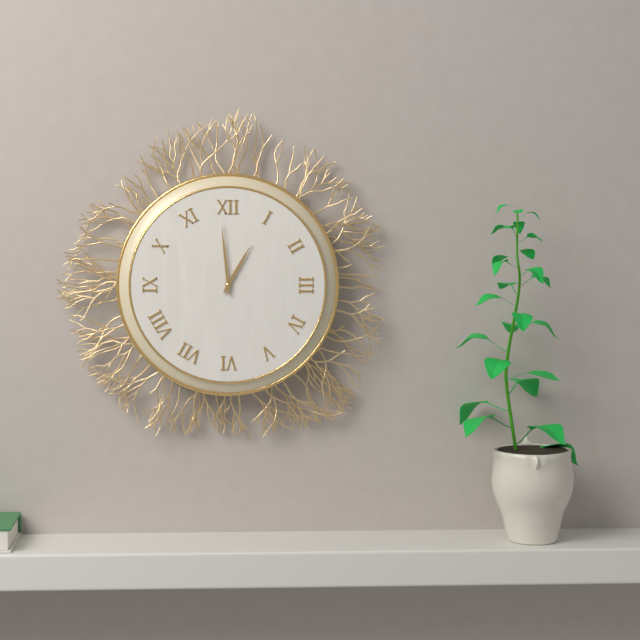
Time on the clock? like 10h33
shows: 12h59
